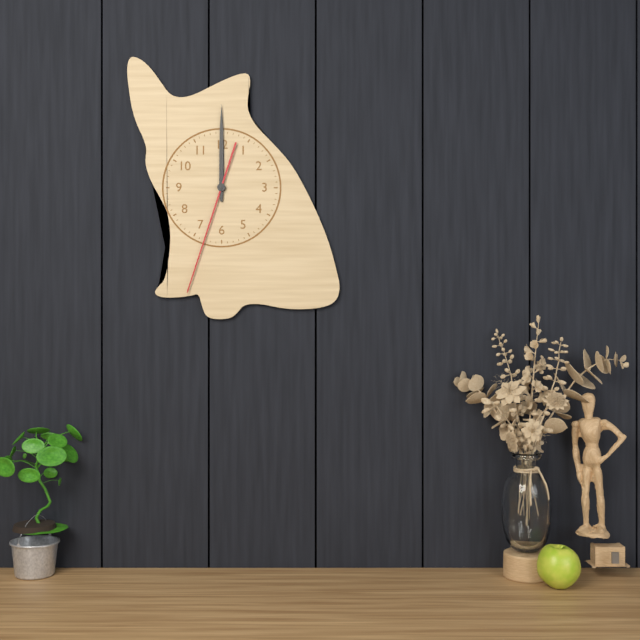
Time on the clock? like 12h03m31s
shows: 12h00m33s
